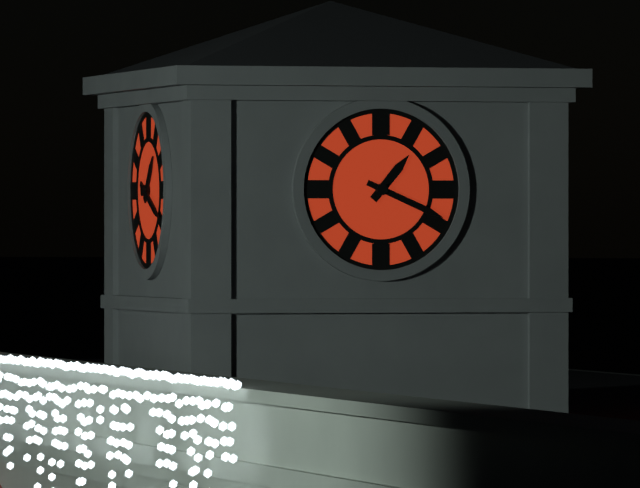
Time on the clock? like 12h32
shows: 1h19
